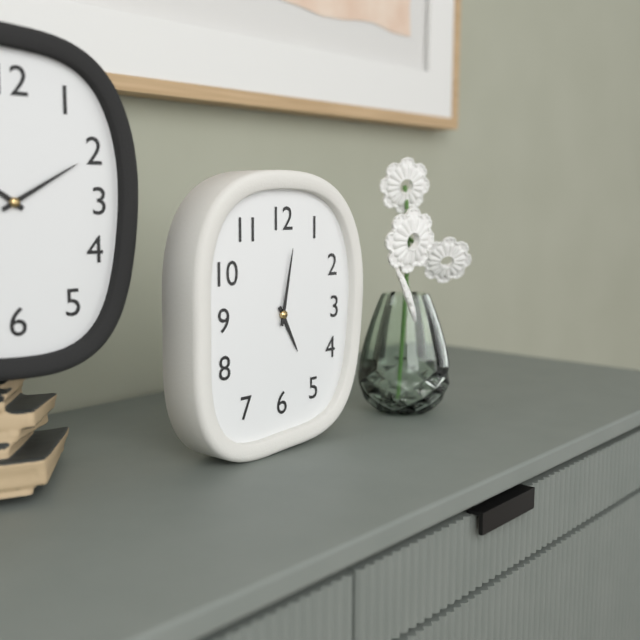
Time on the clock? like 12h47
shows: 5h02
